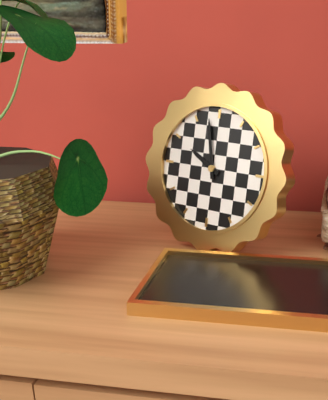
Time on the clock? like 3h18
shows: 9h58
